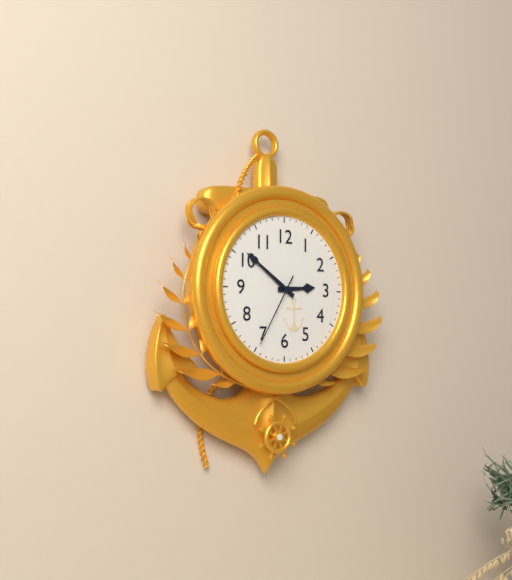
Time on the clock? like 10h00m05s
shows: 2h51m35s
